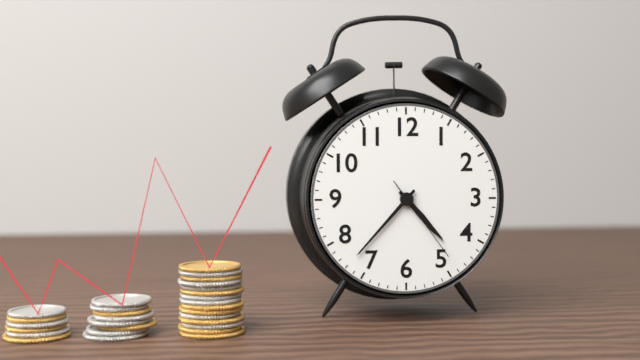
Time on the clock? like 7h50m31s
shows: 4h37m24s
